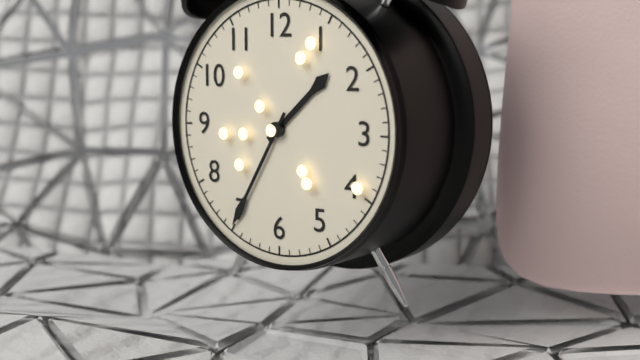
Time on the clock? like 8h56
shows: 1h35
